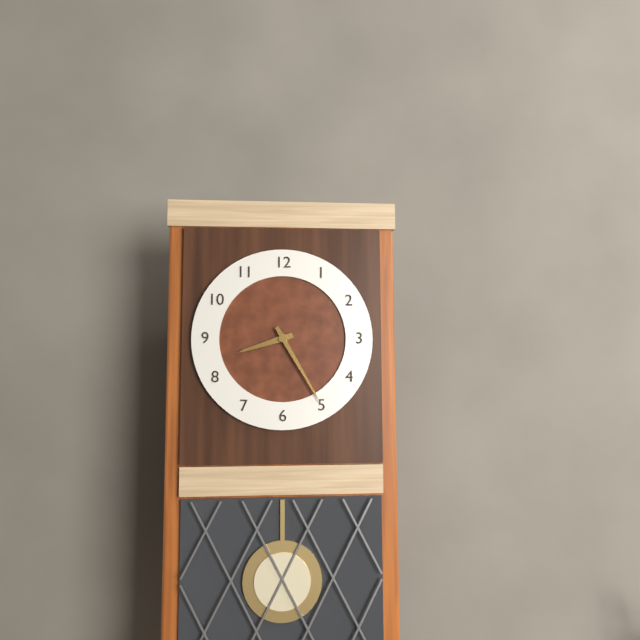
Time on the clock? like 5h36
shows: 8h25
